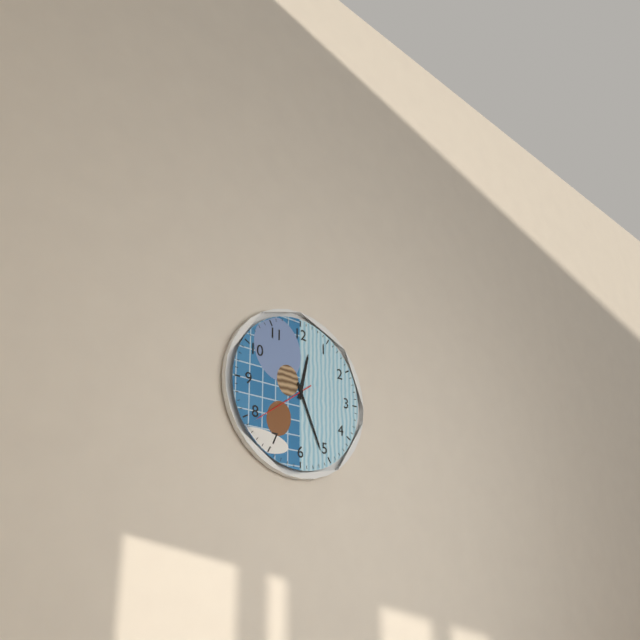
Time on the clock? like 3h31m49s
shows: 12h26m39s
